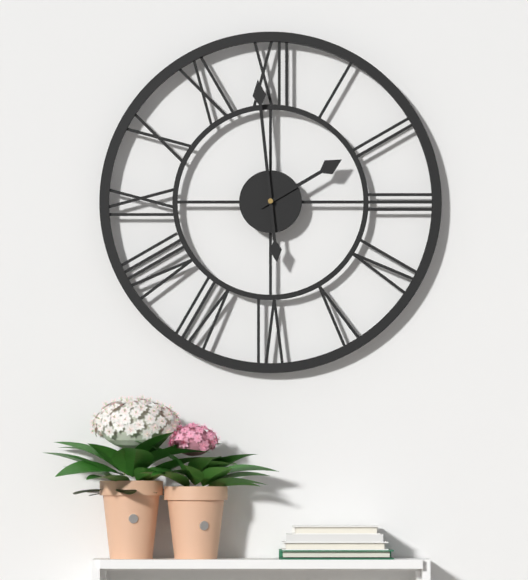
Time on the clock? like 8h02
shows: 1h59
